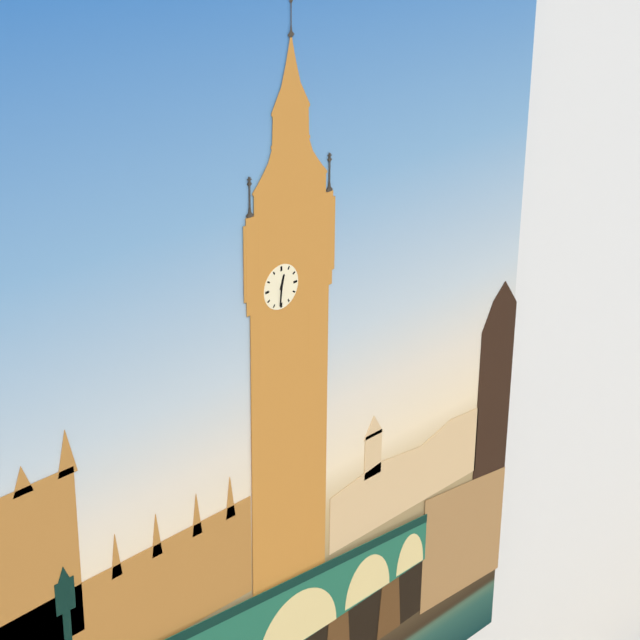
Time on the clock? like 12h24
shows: 12h31
